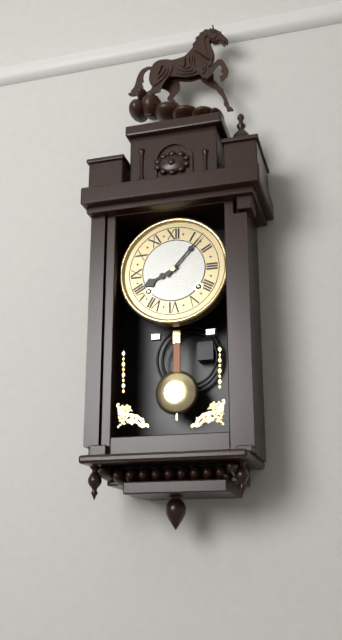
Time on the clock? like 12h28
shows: 8h07
